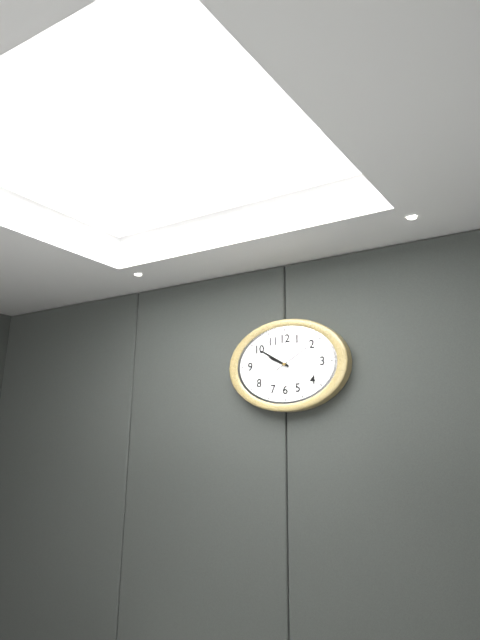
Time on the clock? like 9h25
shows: 9h50
